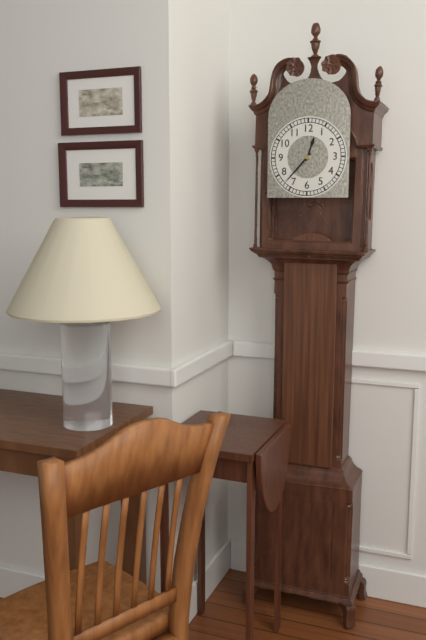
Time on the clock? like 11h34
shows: 12h37
